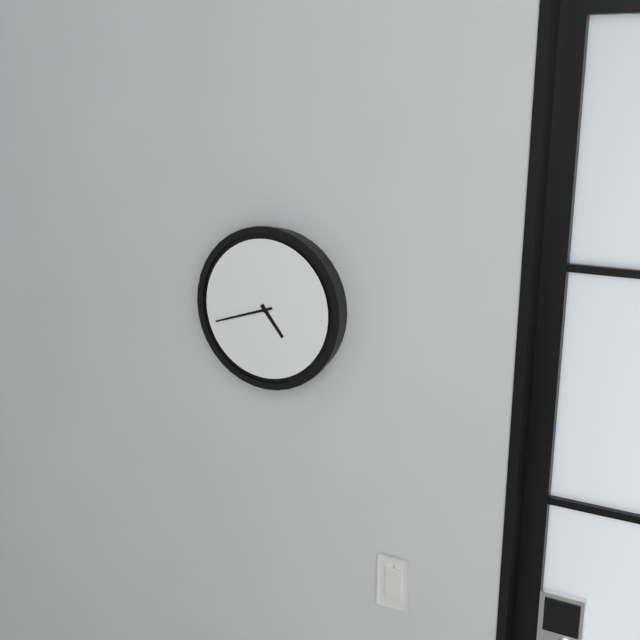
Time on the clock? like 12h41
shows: 4h42
